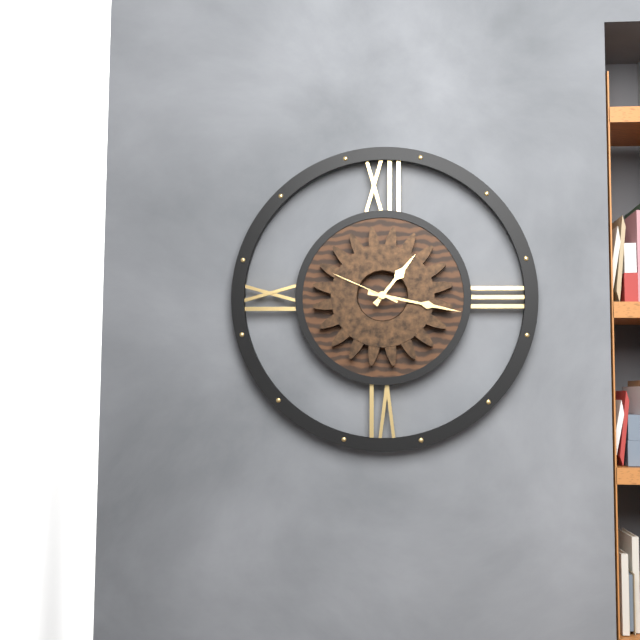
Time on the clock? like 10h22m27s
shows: 1h17m49s
